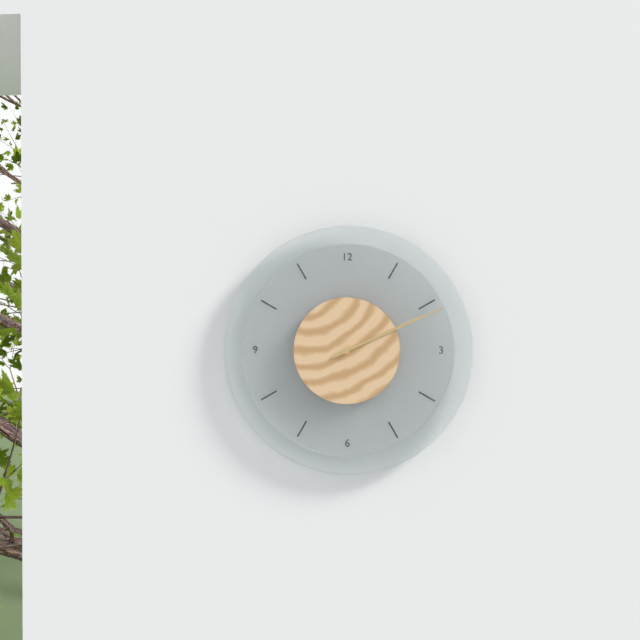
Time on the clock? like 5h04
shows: 2h11
